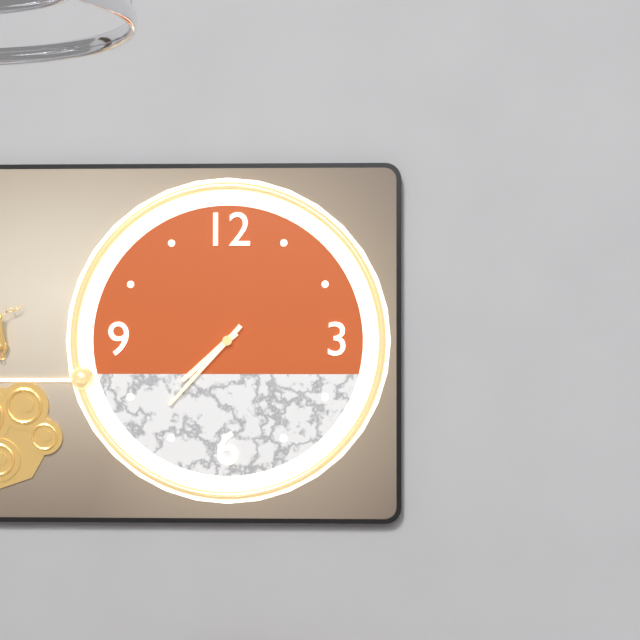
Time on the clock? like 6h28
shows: 7h37
